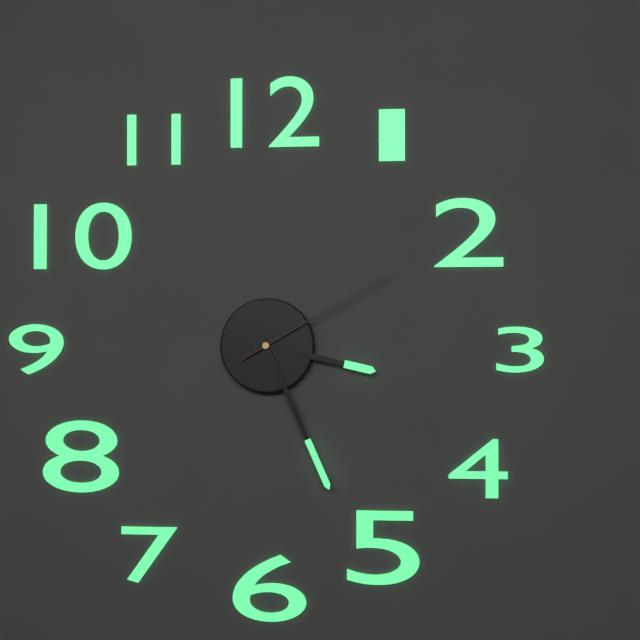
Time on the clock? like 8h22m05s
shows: 3h26m10s
